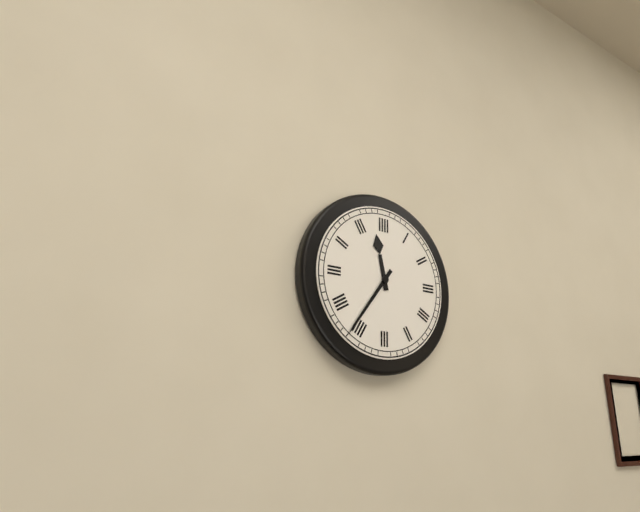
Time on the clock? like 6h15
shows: 11h36
